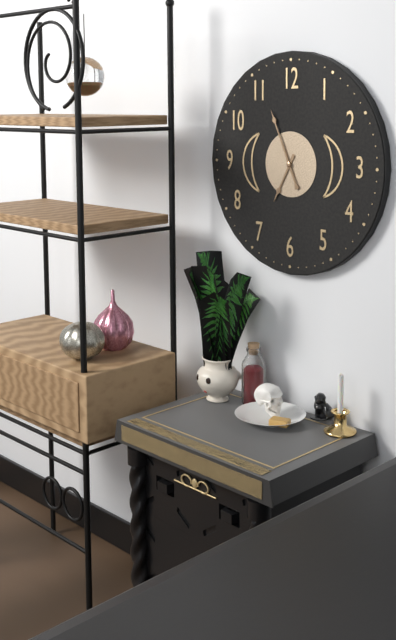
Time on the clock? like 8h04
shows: 6h56
